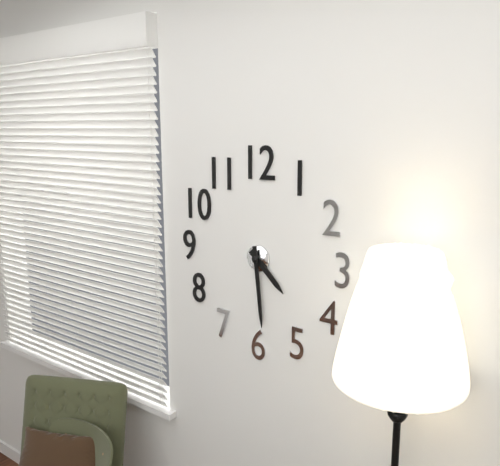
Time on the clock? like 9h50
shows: 4h29
